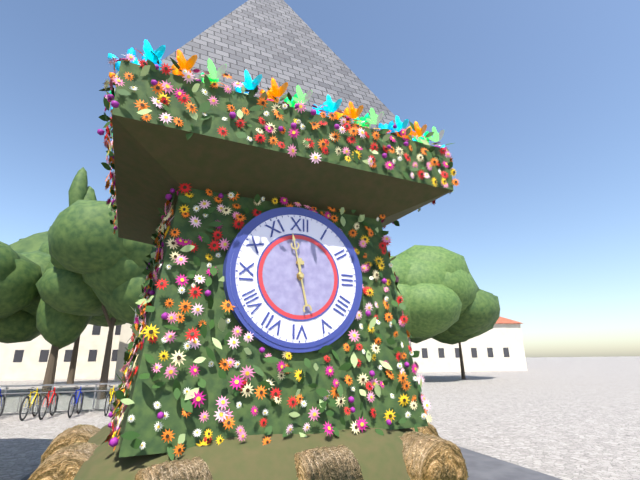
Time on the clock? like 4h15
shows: 11h58
